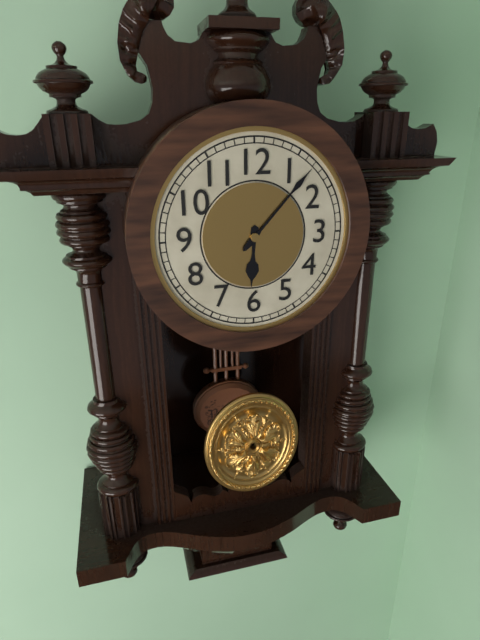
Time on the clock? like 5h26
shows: 6h07
